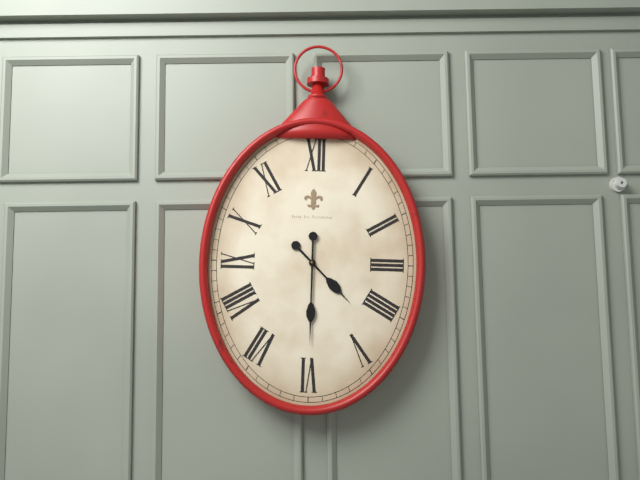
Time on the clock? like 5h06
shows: 4h30
